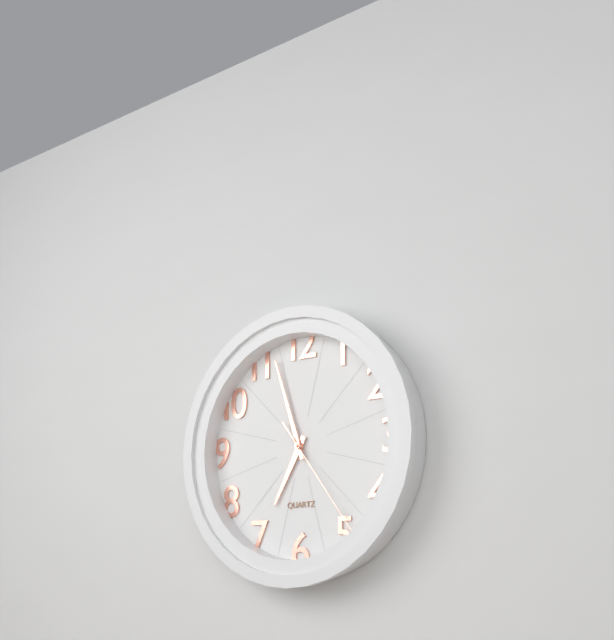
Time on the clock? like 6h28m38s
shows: 6h57m24s
